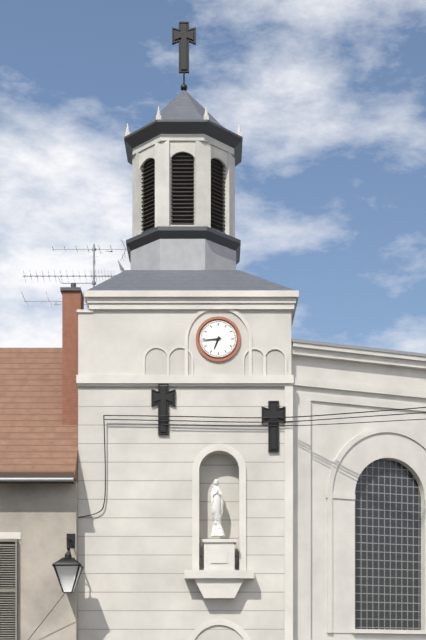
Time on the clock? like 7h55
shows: 6h44
